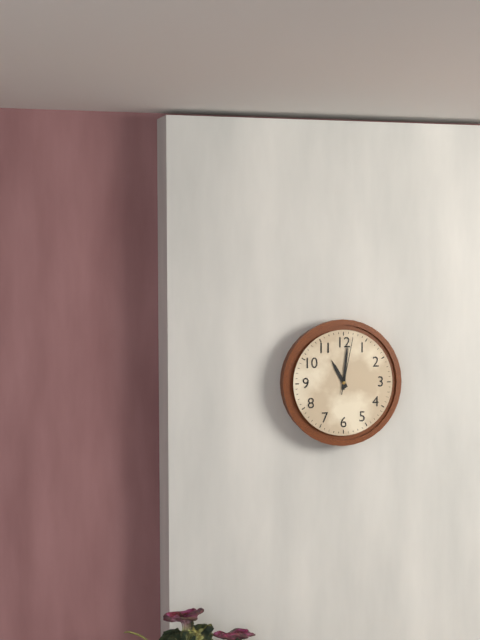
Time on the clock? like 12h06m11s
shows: 11h01m02s
